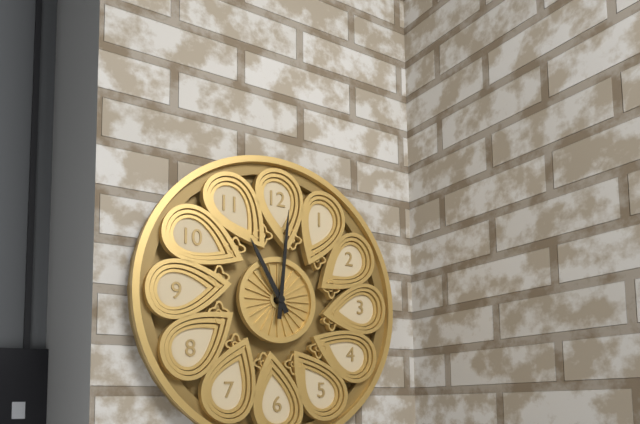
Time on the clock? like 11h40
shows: 11h01
